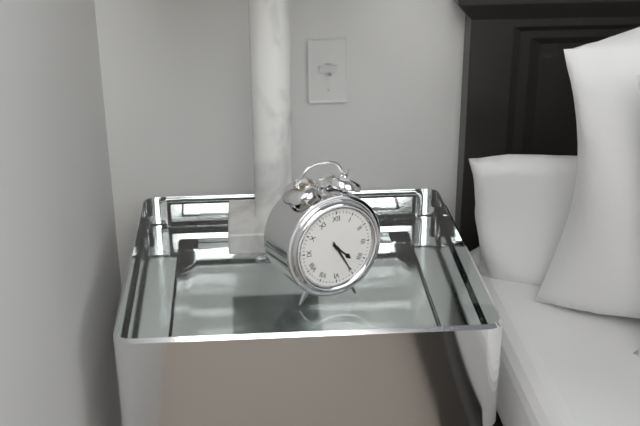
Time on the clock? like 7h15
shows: 4h25
